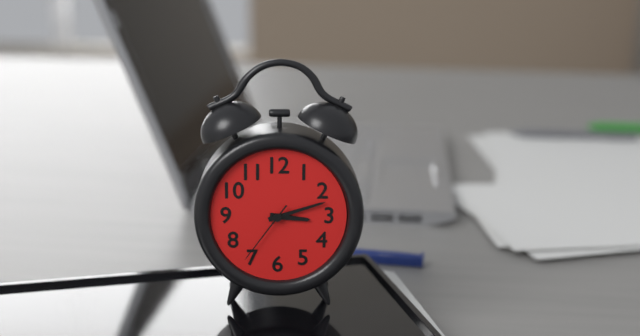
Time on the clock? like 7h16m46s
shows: 3h12m36s
